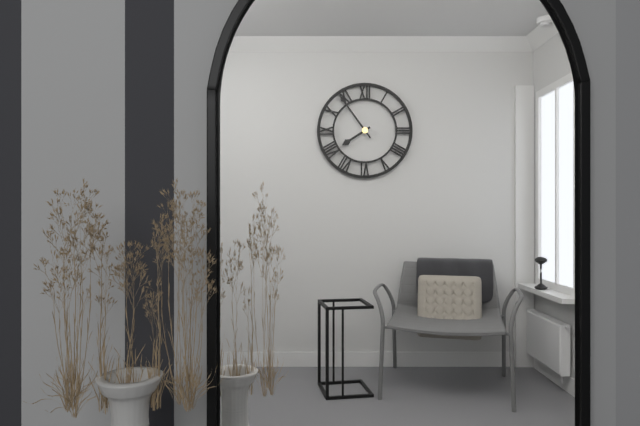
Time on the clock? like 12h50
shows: 7h54
